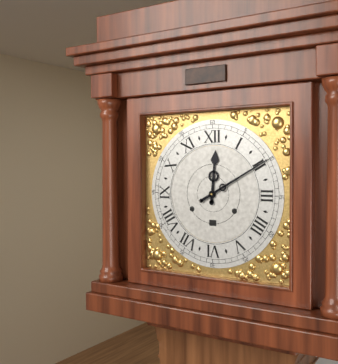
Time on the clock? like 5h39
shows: 12h10
